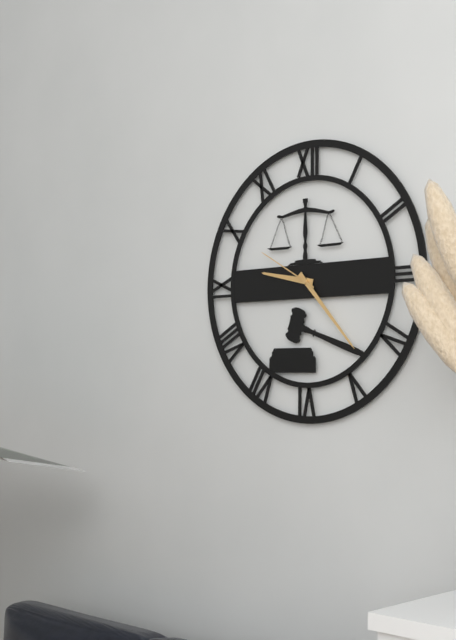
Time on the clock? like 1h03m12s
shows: 9h23m50s
